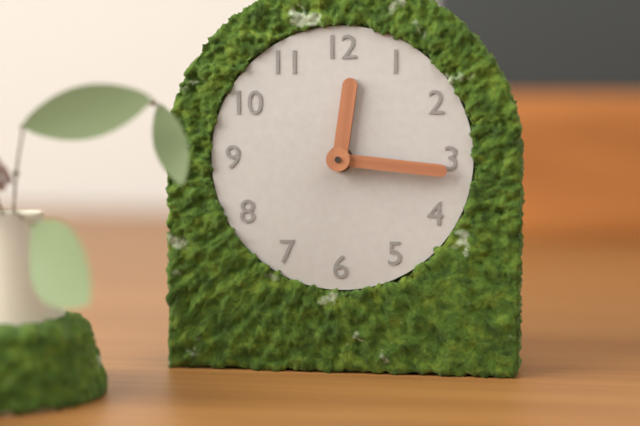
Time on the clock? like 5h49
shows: 12h16
